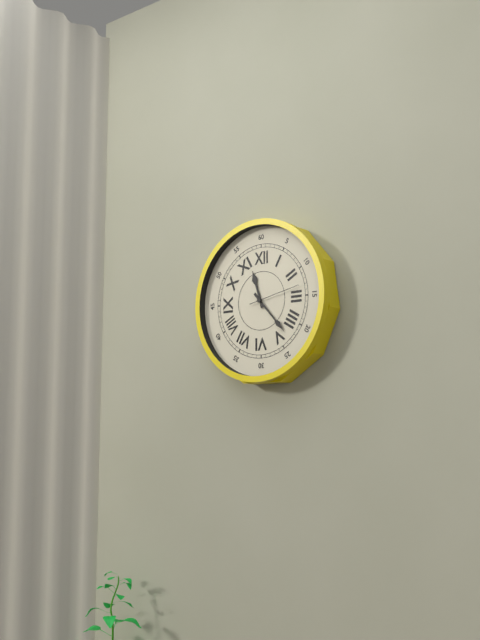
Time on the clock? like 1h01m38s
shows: 11h23m13s
